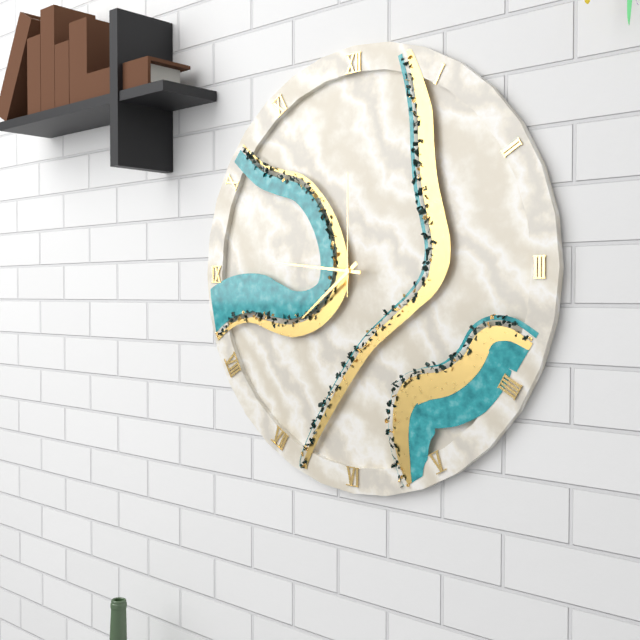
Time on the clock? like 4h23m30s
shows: 7h46m00s
